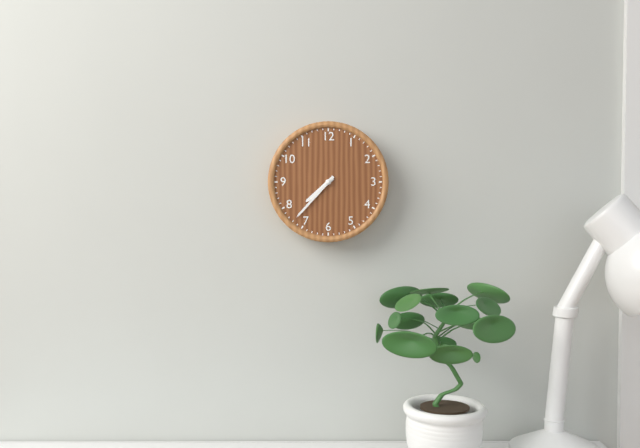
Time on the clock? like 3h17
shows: 7h37
